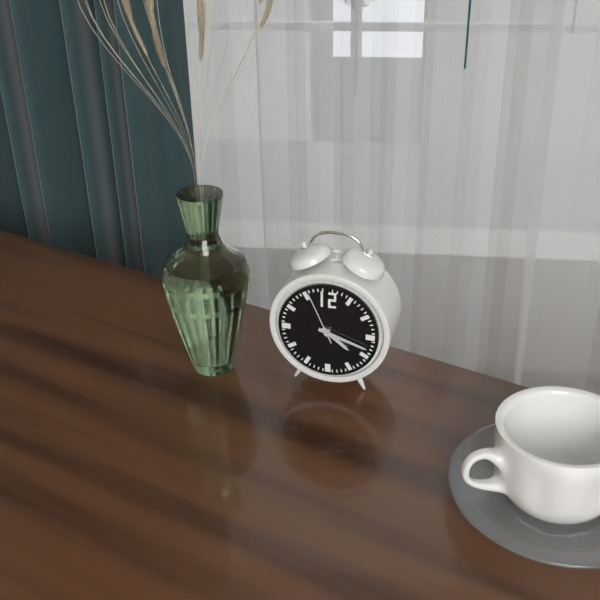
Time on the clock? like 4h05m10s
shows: 4h18m56s
